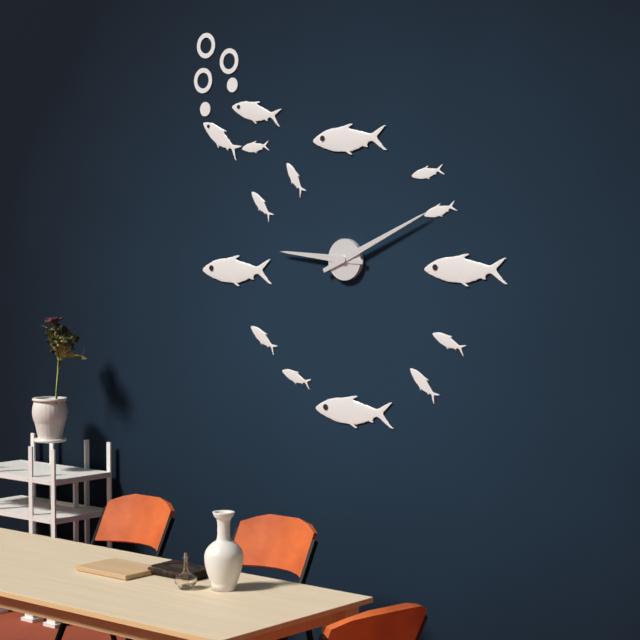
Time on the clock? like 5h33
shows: 9h11
